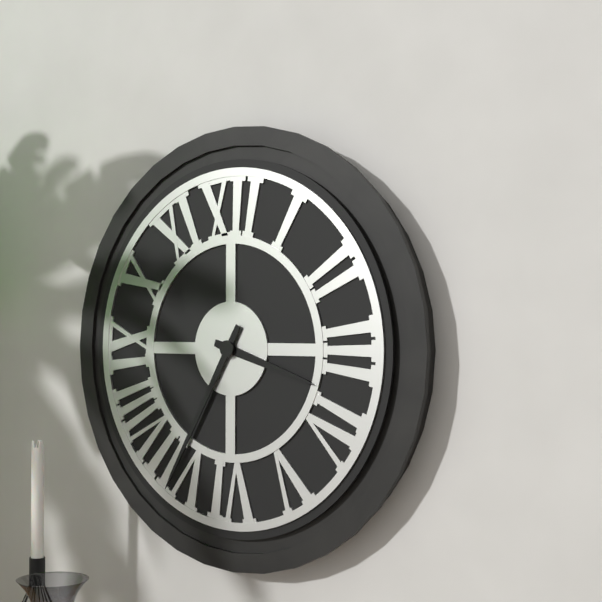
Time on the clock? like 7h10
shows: 3h35
